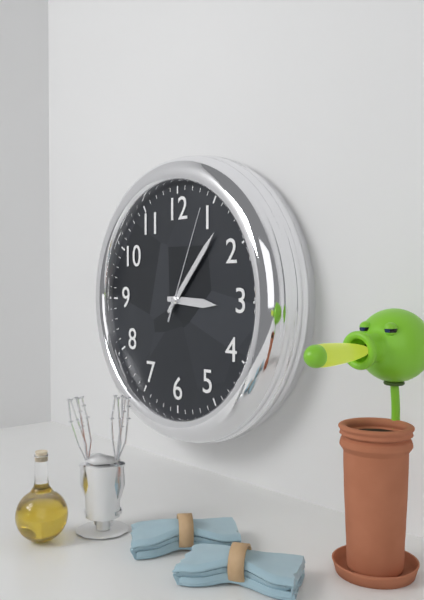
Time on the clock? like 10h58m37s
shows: 3h07m04s
